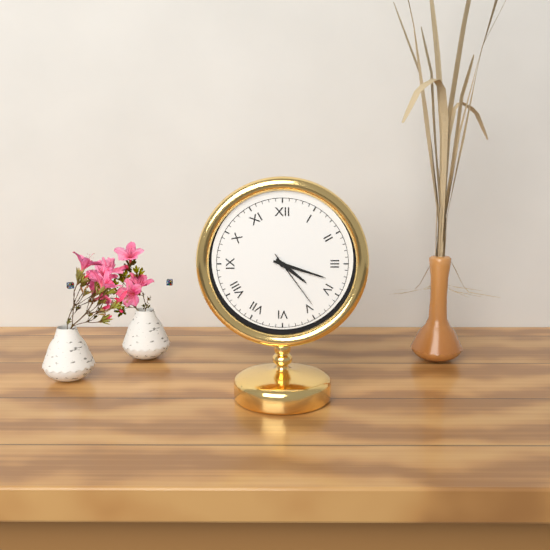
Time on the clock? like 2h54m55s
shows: 4h18m24s
